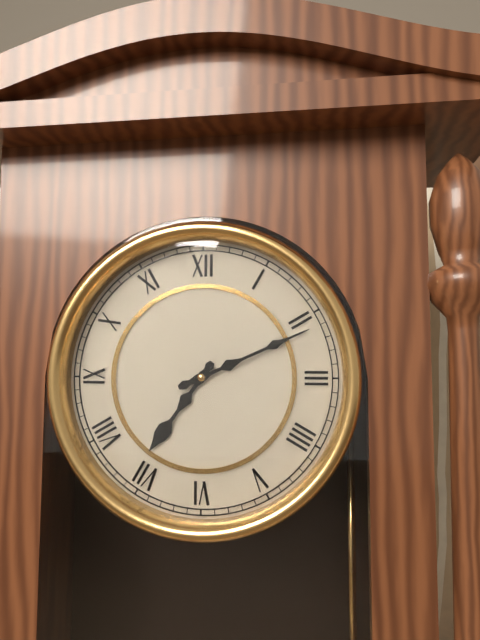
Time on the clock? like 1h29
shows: 7h11
